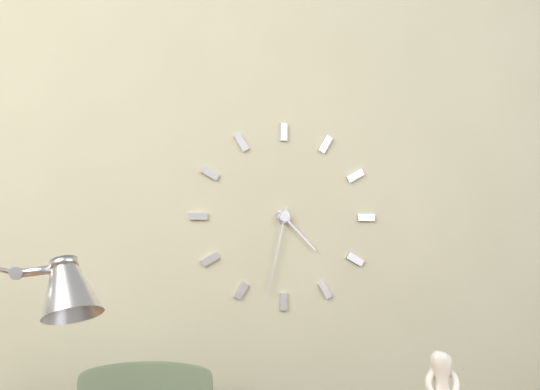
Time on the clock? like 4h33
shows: 4h32
